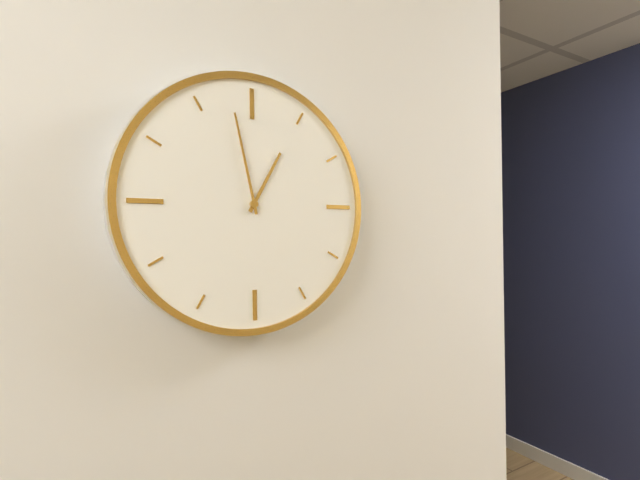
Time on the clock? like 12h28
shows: 12h58
